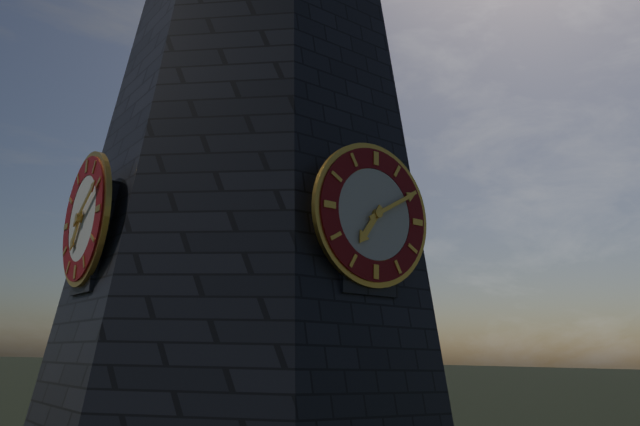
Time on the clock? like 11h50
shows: 7h10
